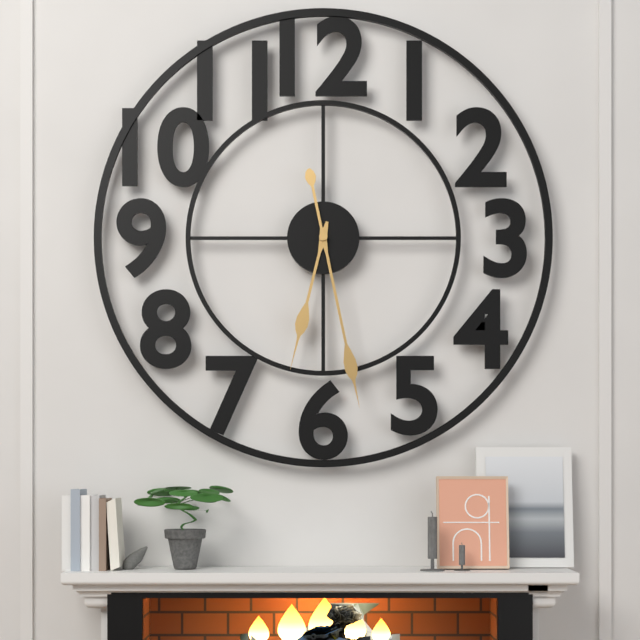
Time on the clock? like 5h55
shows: 6h28
